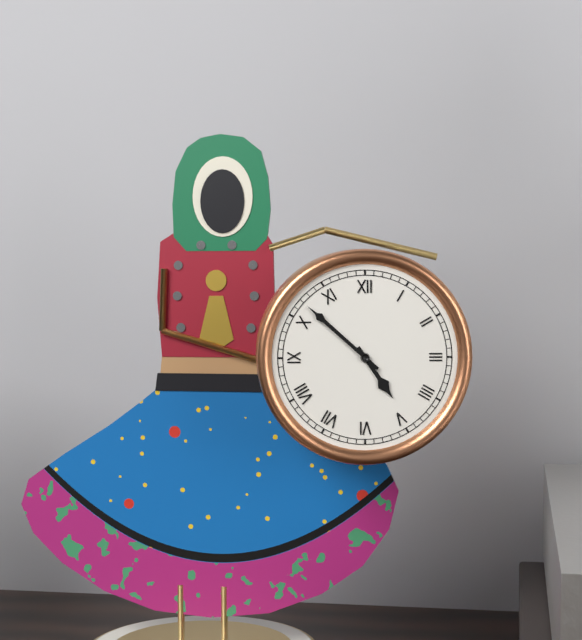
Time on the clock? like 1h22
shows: 4h52
